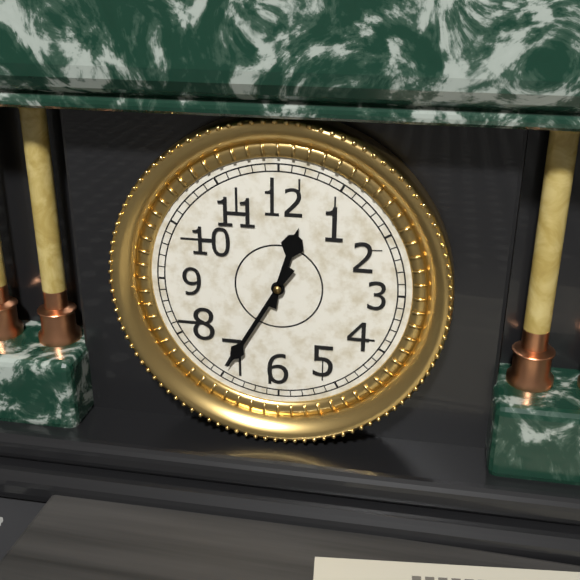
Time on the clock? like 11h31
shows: 12h35
